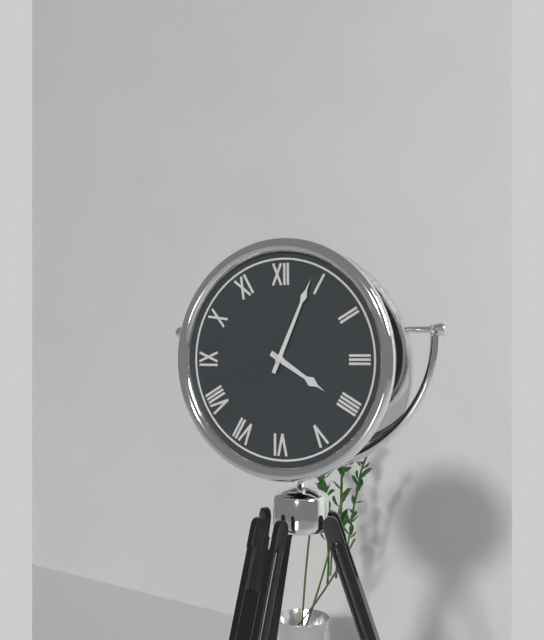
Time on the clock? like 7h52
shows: 4h04
